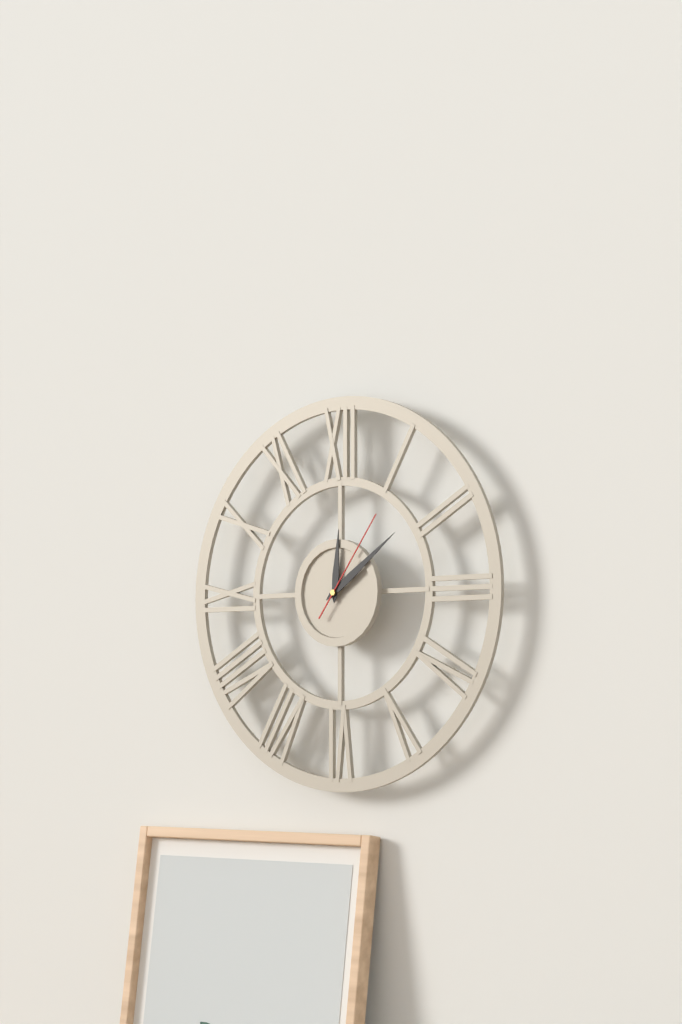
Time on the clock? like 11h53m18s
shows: 12h09m06s
